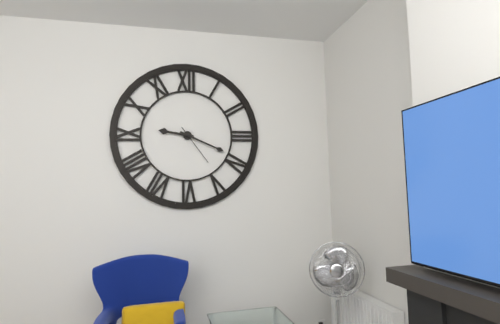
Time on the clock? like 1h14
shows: 9h19
